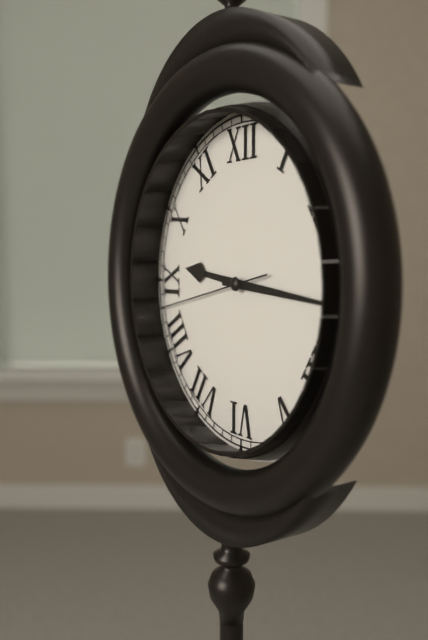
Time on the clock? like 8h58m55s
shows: 9h16m43s
